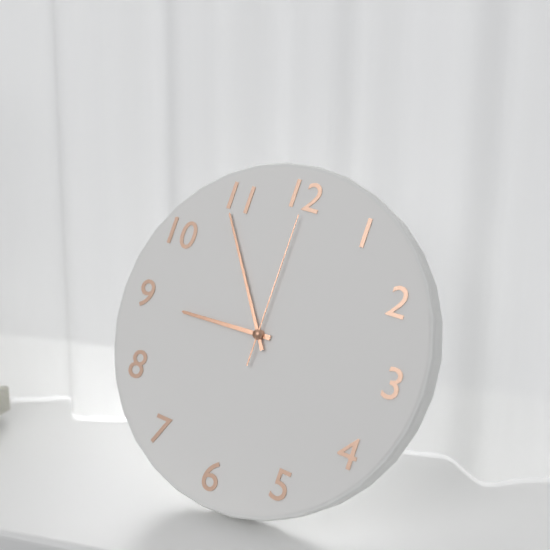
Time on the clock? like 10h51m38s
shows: 8h54m00s
